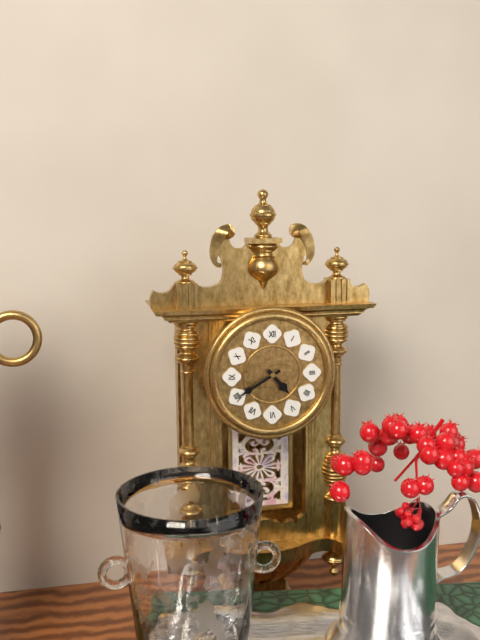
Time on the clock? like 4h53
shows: 4h40
